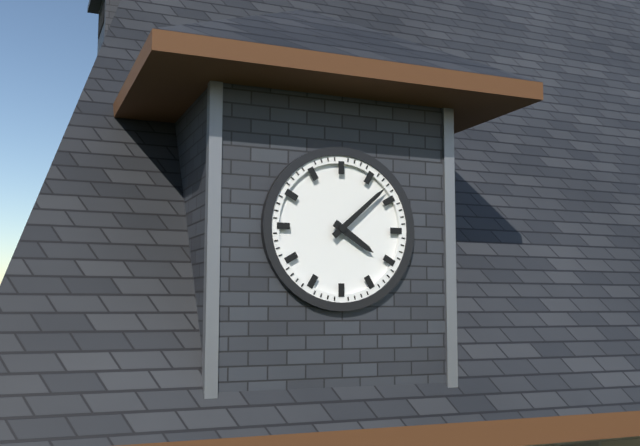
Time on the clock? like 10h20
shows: 4h08
